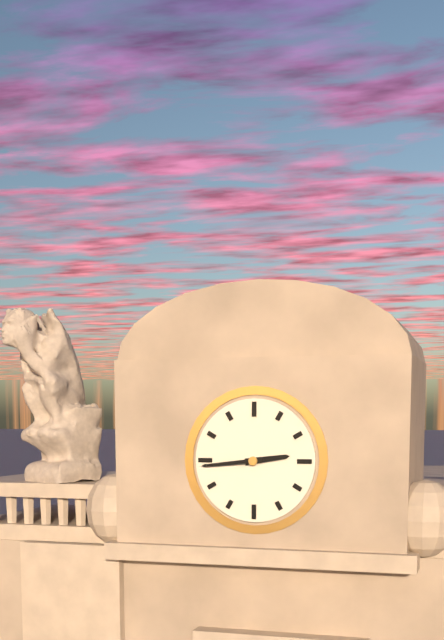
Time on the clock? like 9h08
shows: 2h44
